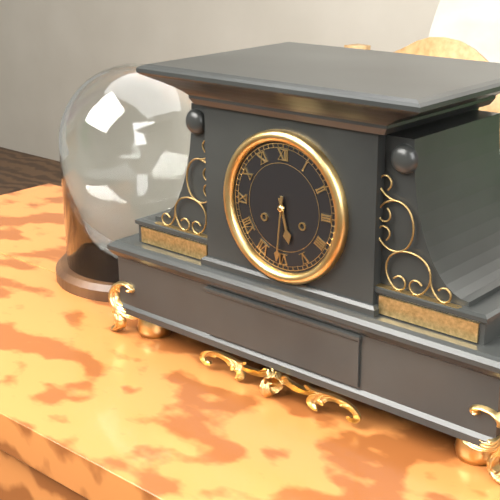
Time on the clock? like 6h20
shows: 5h31
